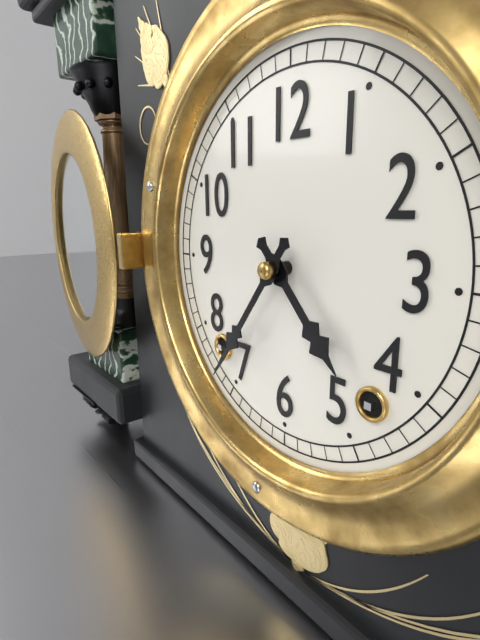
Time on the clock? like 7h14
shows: 4h36
